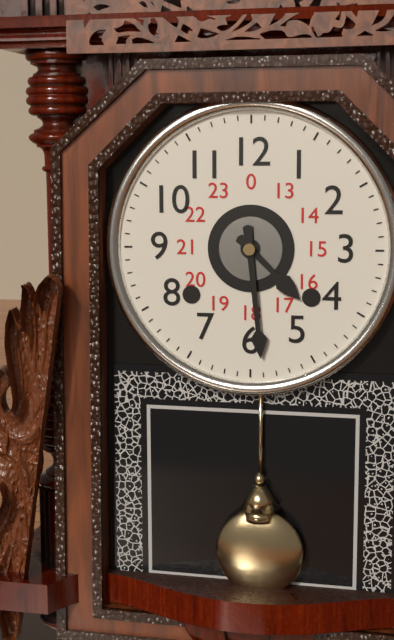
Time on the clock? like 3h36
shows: 4h29
